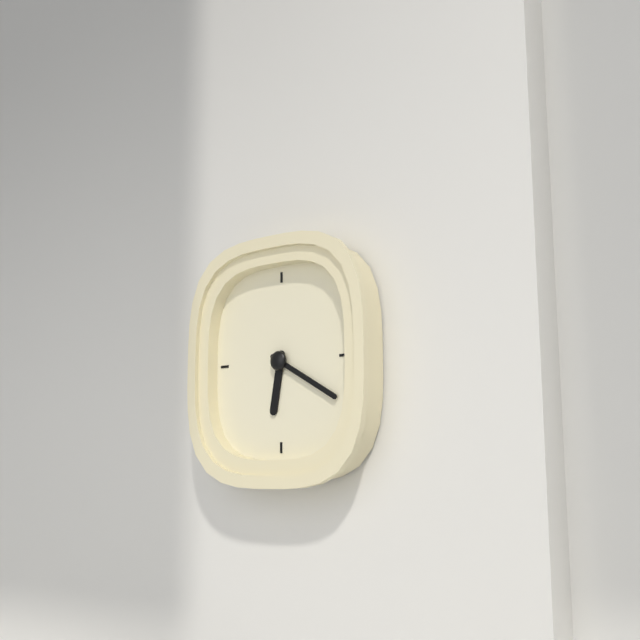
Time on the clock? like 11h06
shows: 6h20
